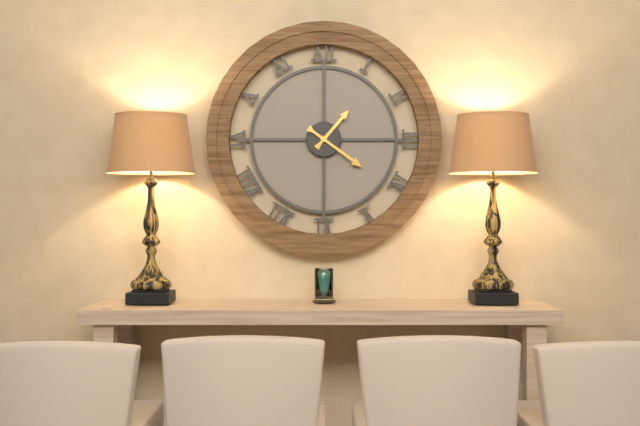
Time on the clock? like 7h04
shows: 1h21
